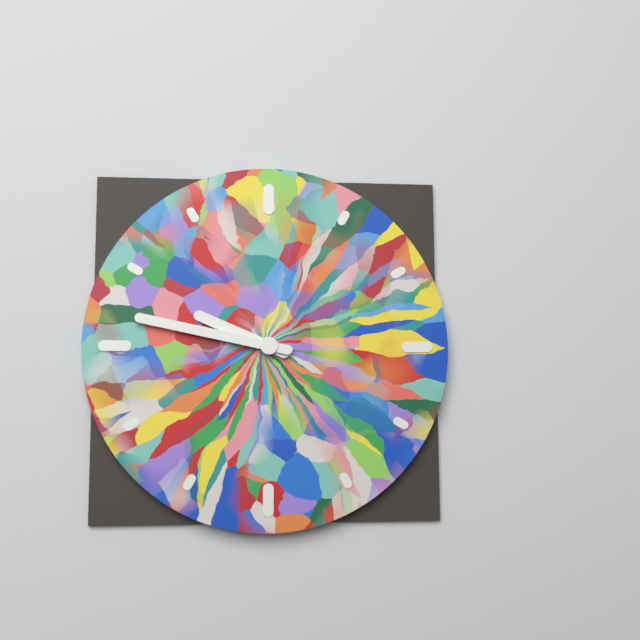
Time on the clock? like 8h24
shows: 9h47
